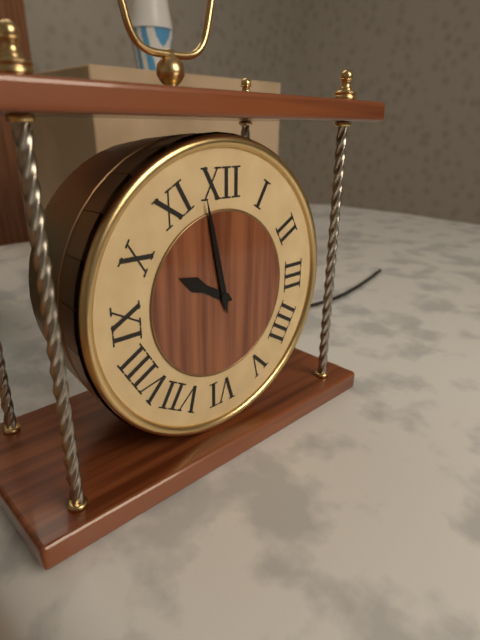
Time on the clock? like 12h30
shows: 9h58
